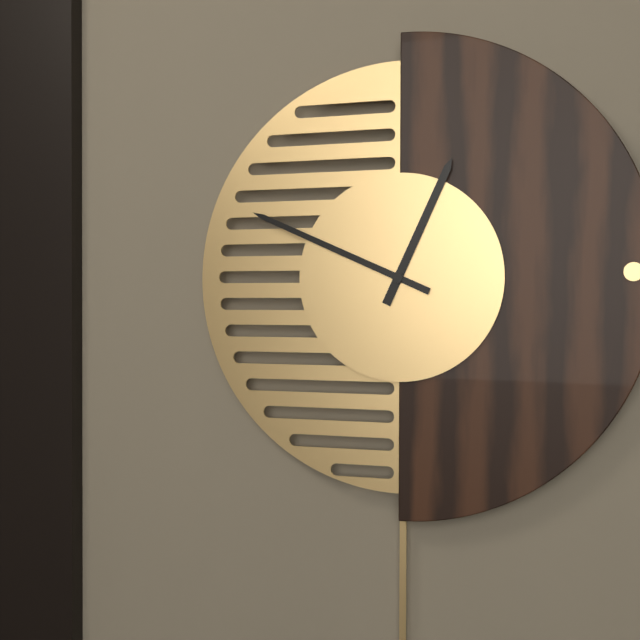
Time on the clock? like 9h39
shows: 12h49
